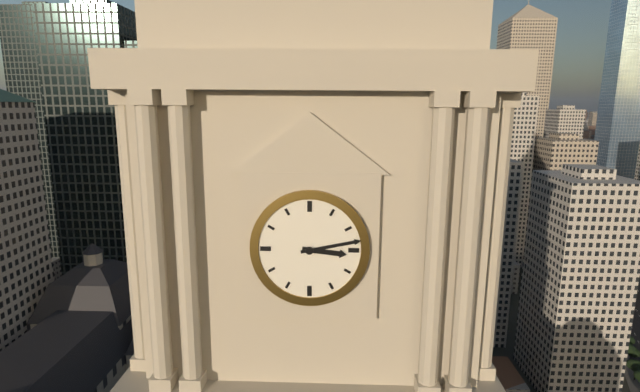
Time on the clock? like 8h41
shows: 3h13
